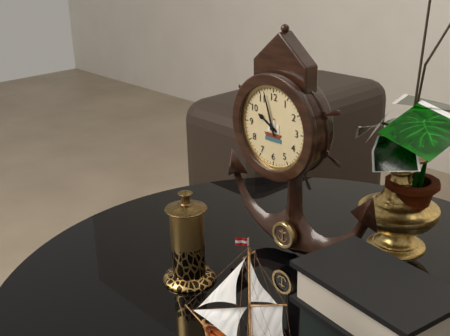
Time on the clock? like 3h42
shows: 9h57
